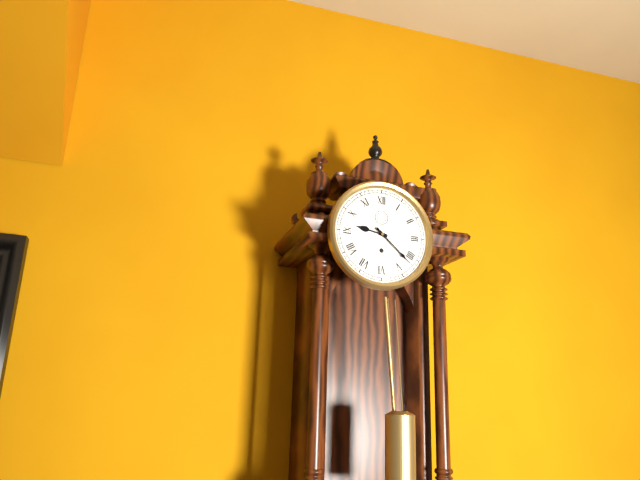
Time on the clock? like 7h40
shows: 9h22
